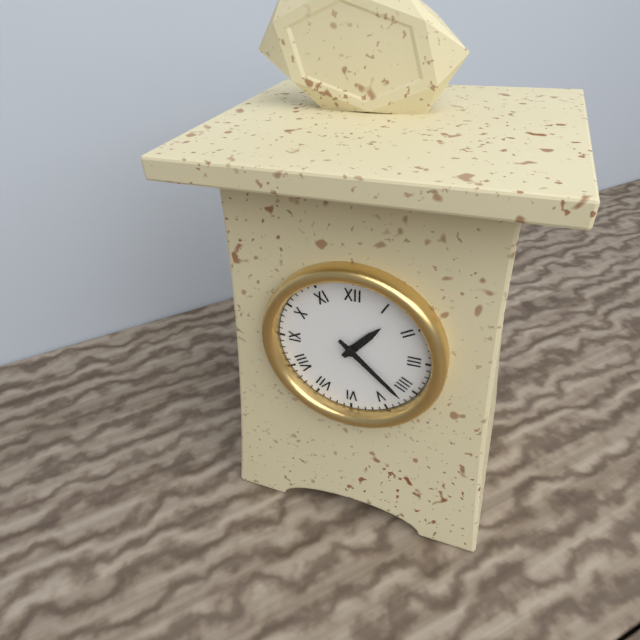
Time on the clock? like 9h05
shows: 1h22
